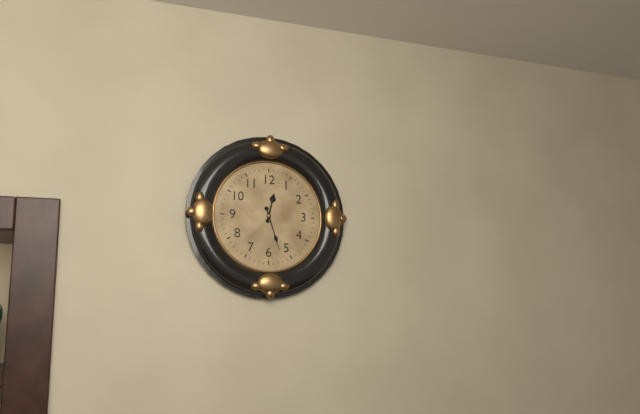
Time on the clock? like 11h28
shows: 12h27
